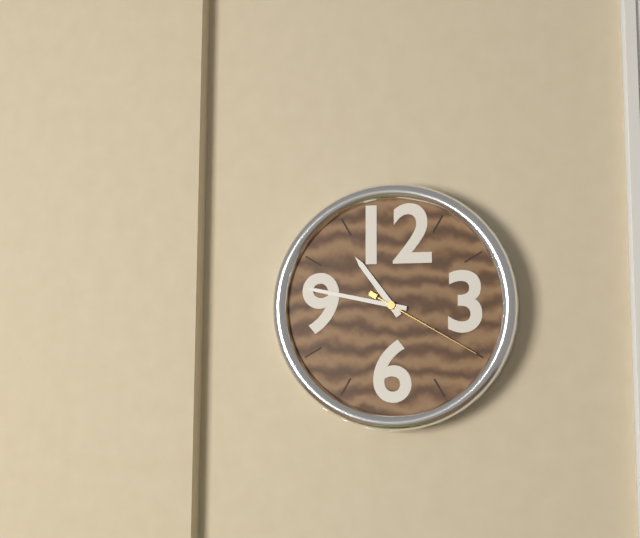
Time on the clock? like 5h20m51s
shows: 10h47m20s
